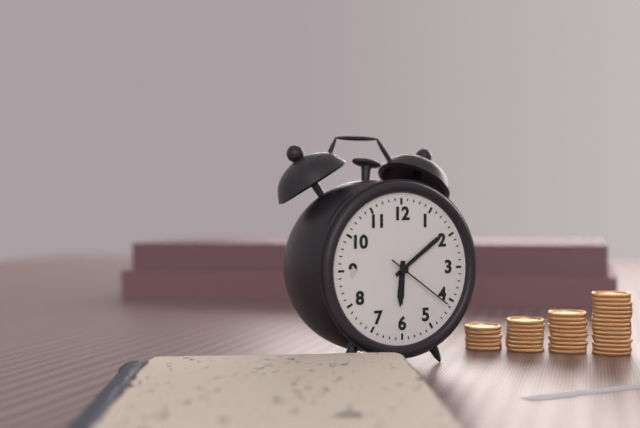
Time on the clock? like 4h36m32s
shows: 6h09m21s
